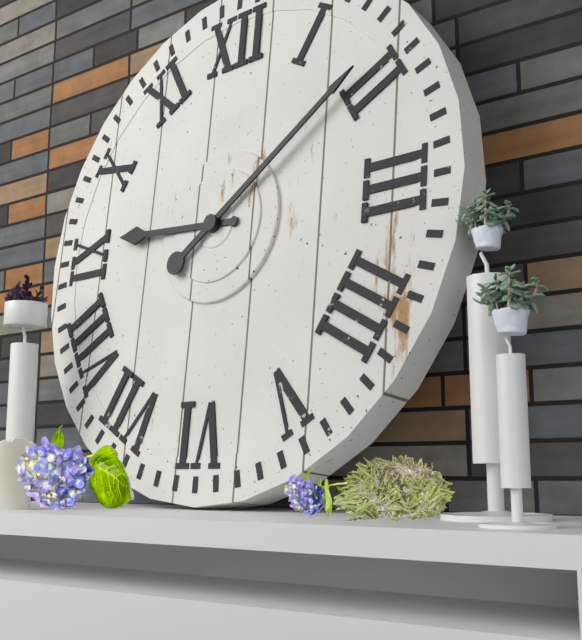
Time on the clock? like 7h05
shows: 9h09
